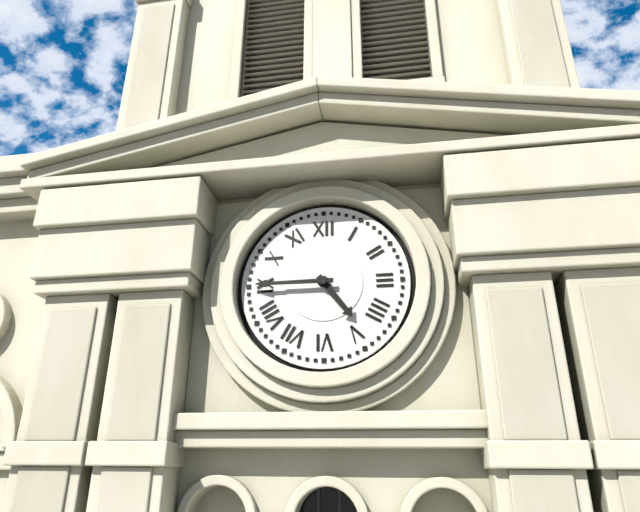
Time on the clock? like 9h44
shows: 4h45
